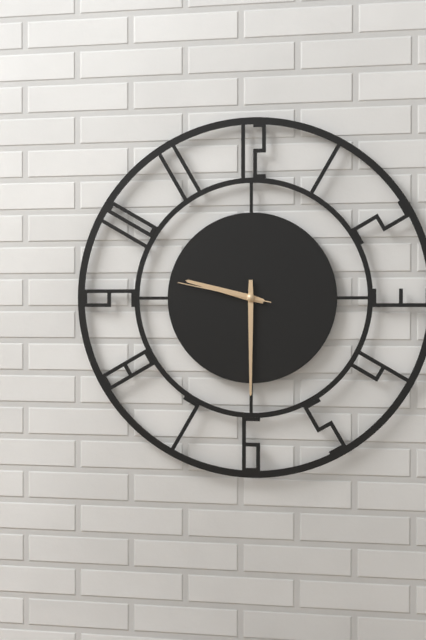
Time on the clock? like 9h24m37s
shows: 9h30m47s
